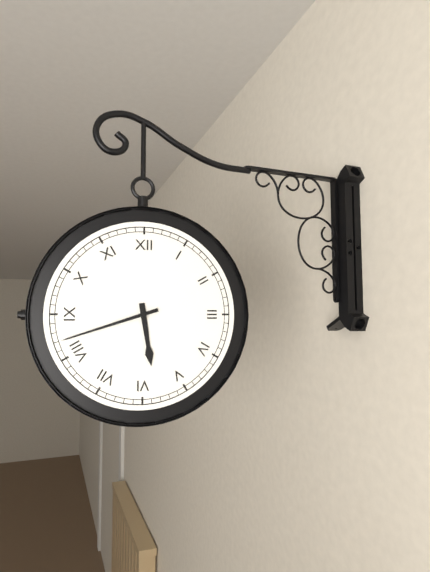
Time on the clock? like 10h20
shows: 5h42
